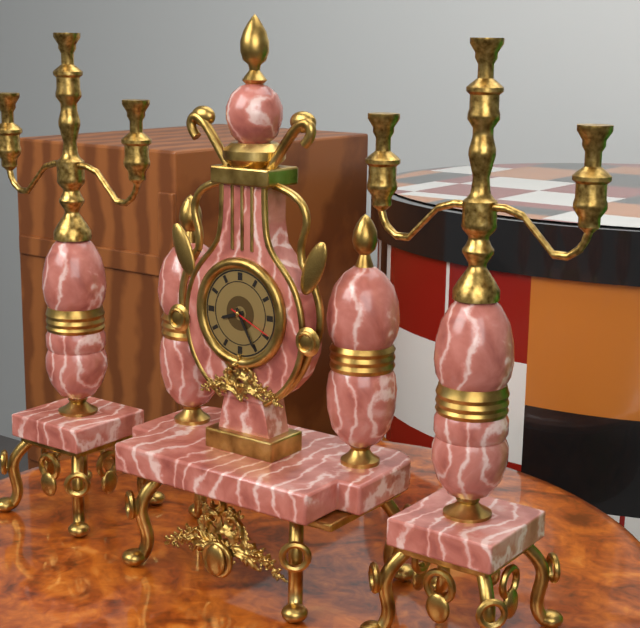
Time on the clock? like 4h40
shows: 8h25
